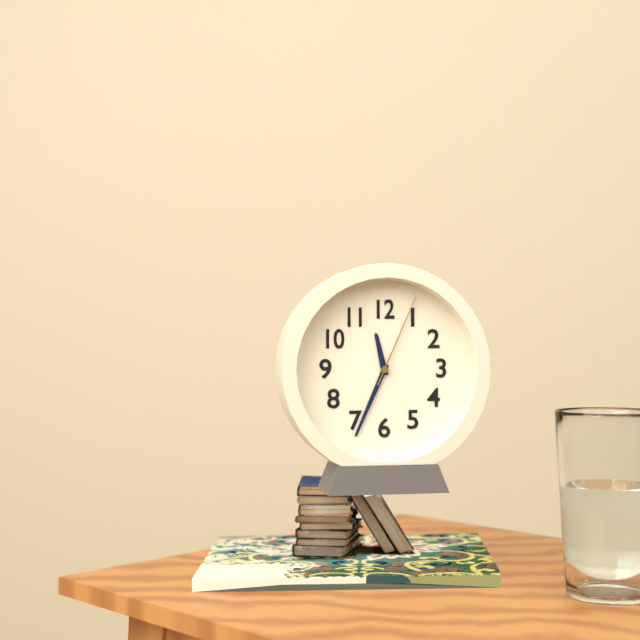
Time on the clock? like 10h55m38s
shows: 11h34m04s
